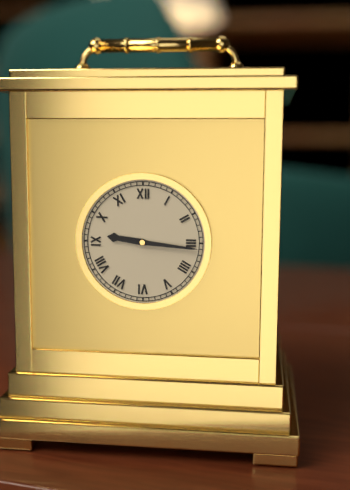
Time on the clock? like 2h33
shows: 9h16
